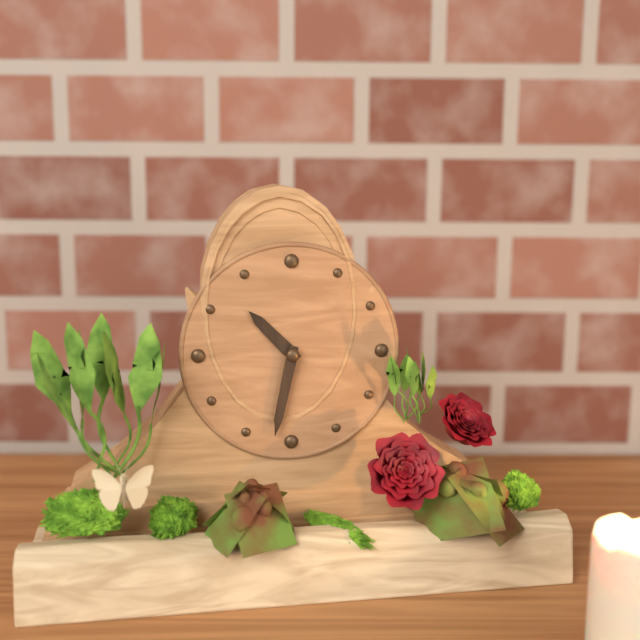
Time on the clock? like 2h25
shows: 10h32
